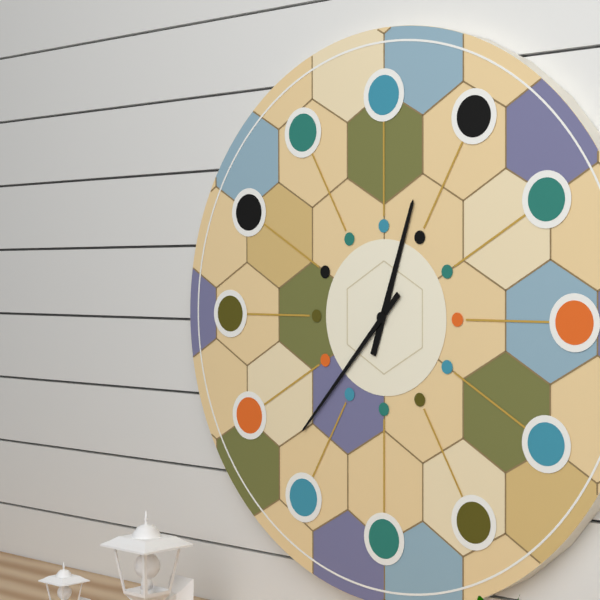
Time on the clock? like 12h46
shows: 12h37
